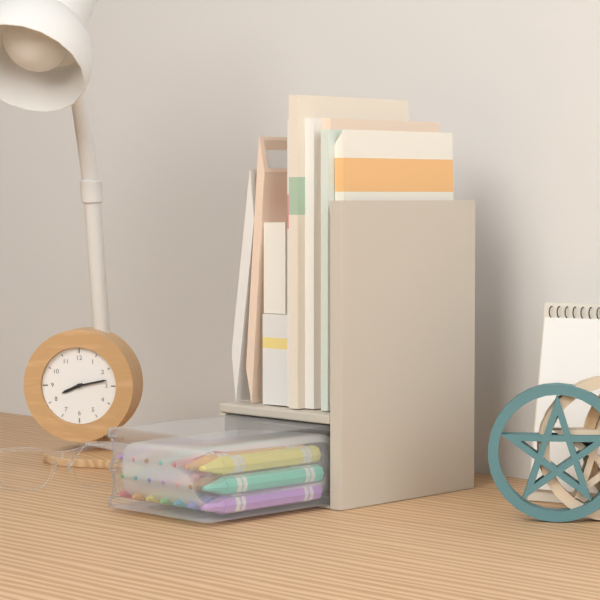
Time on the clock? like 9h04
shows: 8h13
